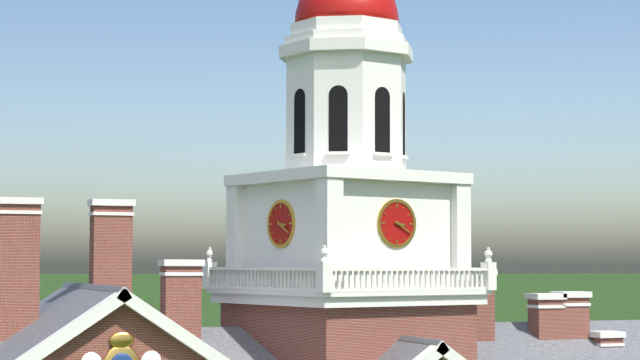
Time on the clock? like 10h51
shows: 3h20
